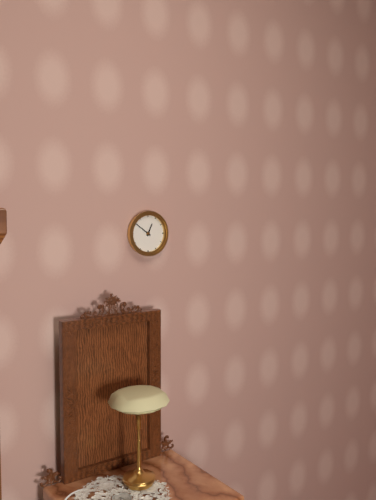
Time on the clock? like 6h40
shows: 12h51
